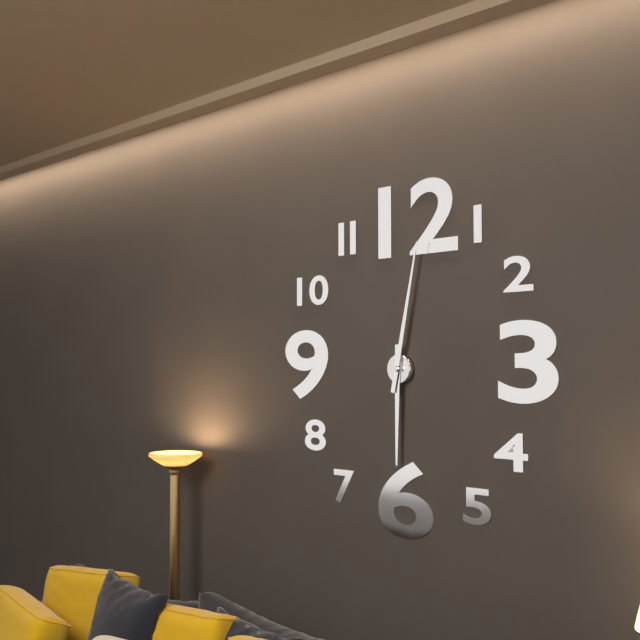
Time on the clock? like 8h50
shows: 6h02
